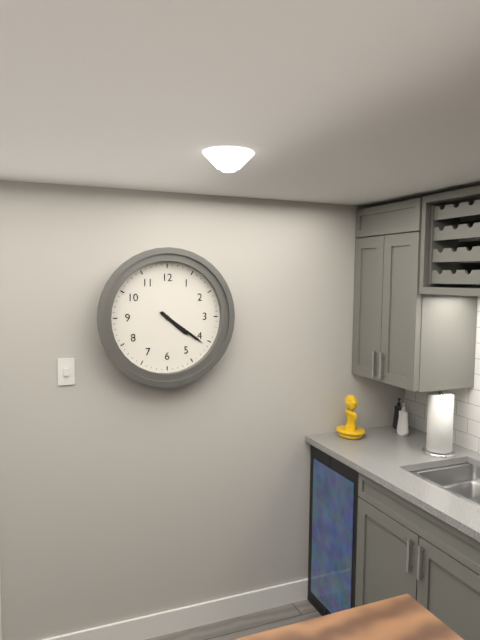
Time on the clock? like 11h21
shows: 4h21
